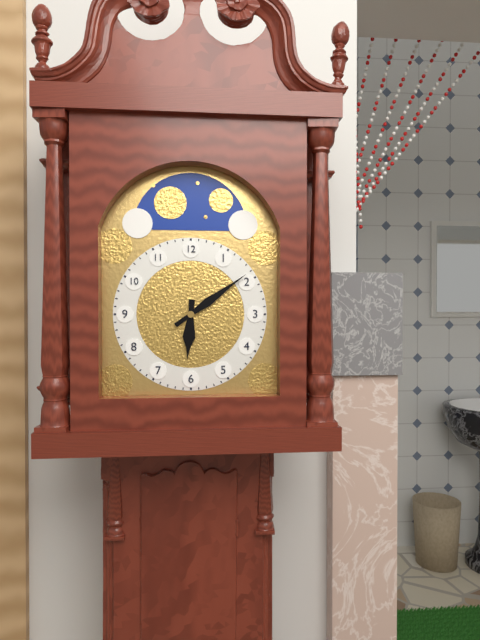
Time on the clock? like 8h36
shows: 6h09
